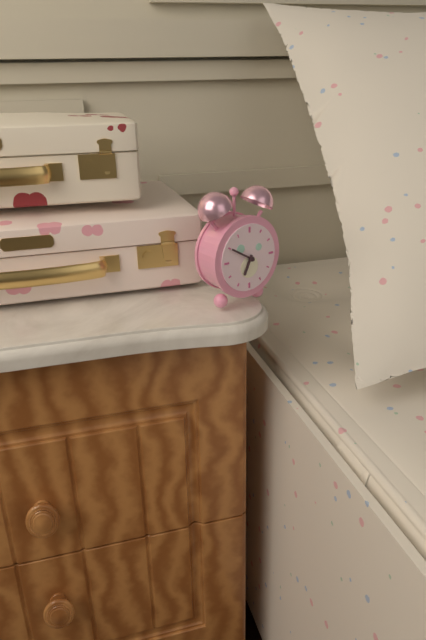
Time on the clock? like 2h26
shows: 6h50
